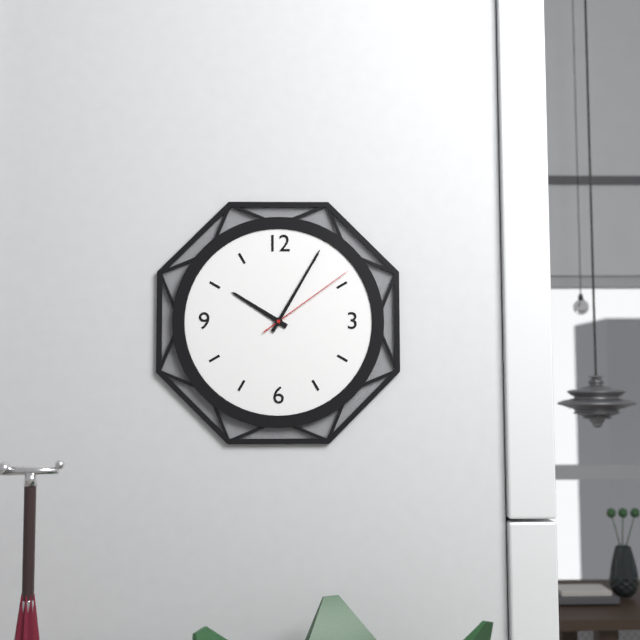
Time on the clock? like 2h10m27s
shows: 10h05m09s
